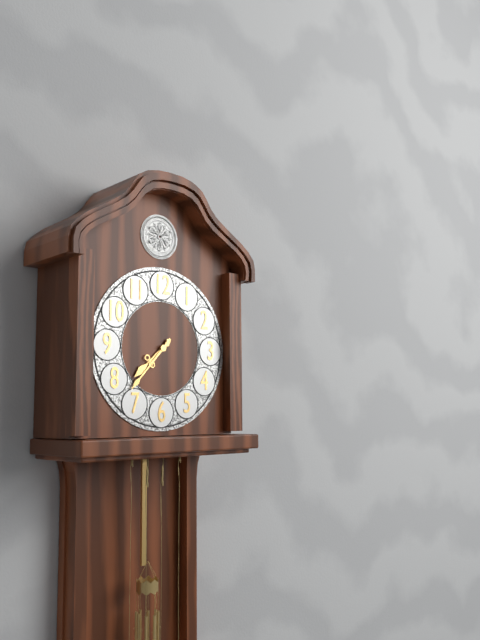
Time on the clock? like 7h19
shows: 7h37
